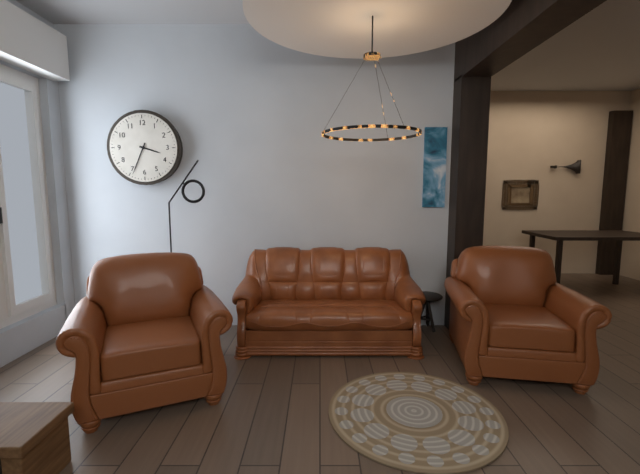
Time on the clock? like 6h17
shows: 3h34
